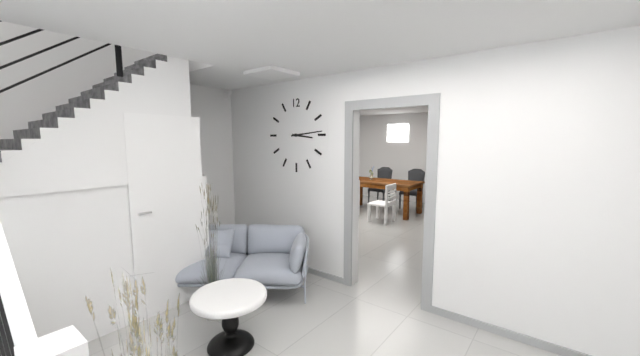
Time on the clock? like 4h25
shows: 3h14
